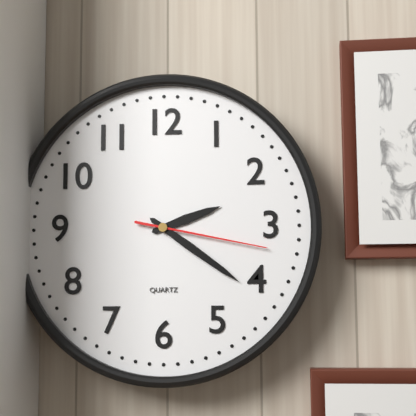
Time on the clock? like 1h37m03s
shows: 2h21m17s
